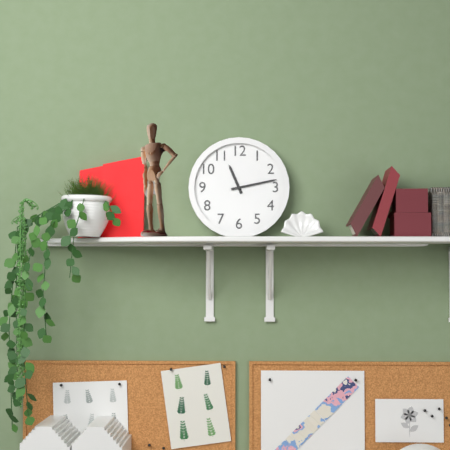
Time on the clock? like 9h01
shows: 11h13
